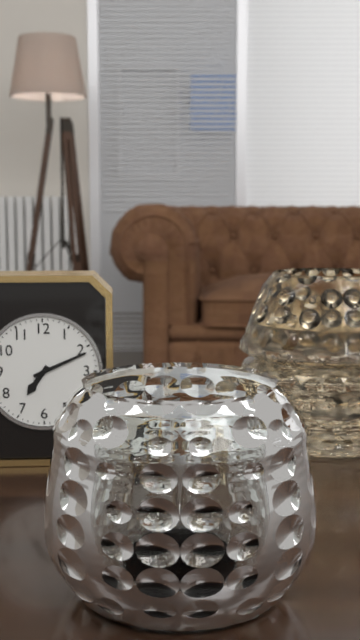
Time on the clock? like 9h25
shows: 7h11
